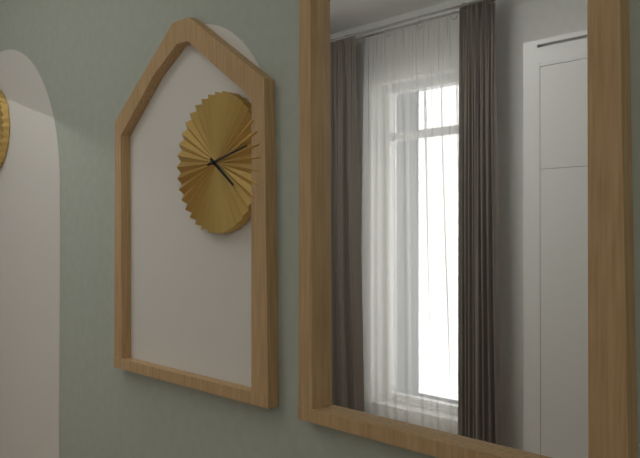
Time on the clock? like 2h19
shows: 4h13
